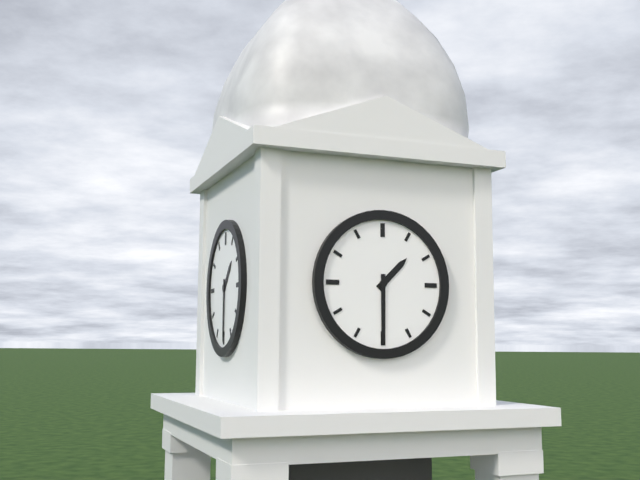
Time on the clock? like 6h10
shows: 1h30
